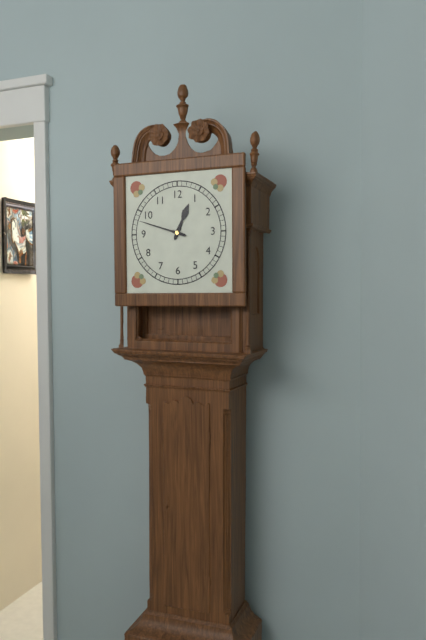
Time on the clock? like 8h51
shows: 12h48
